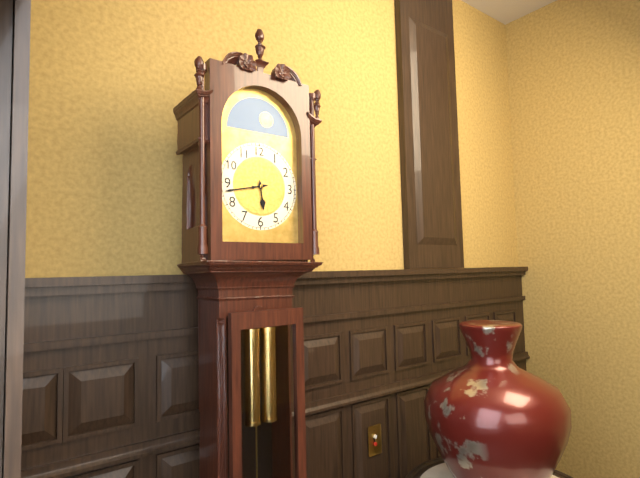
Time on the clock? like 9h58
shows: 5h43
